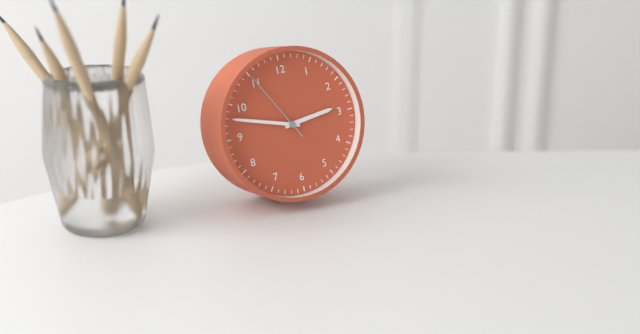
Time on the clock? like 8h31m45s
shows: 2h48m55s
